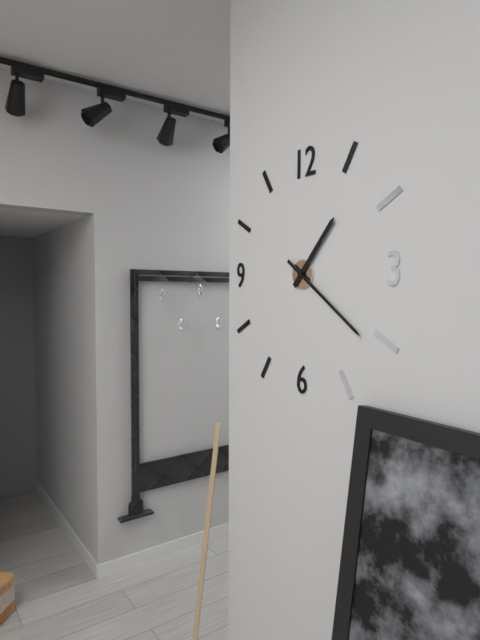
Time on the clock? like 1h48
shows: 1h21
